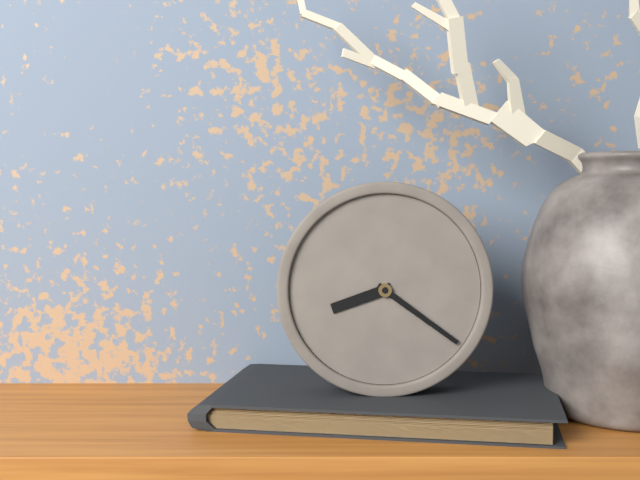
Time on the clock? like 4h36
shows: 8h21
